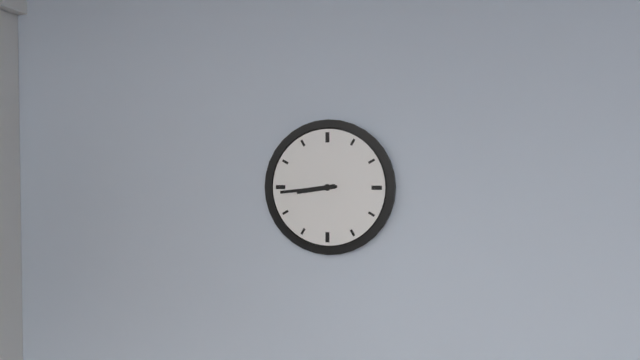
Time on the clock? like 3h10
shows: 8h44
